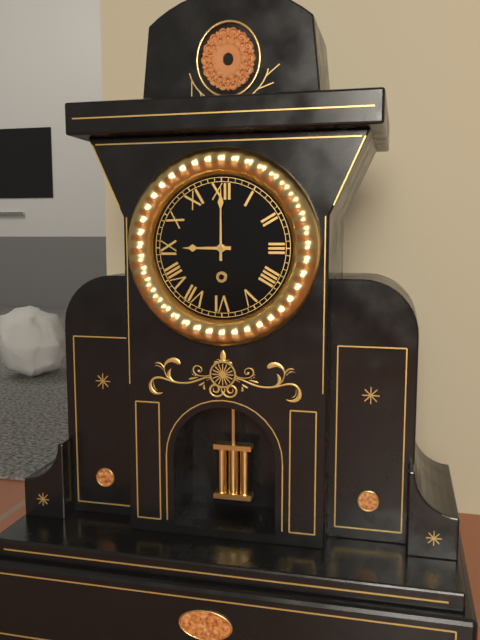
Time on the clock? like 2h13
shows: 9h00
